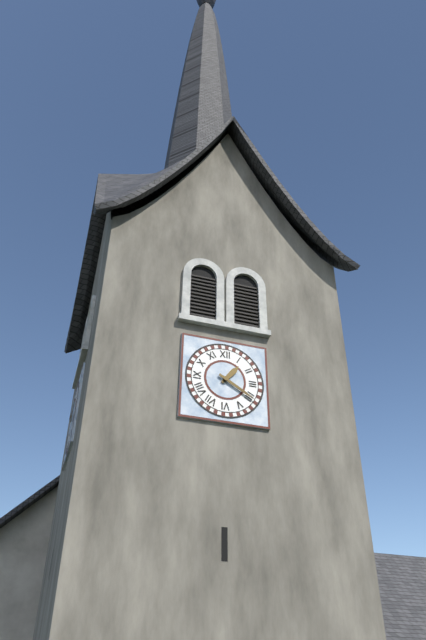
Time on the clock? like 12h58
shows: 1h20
